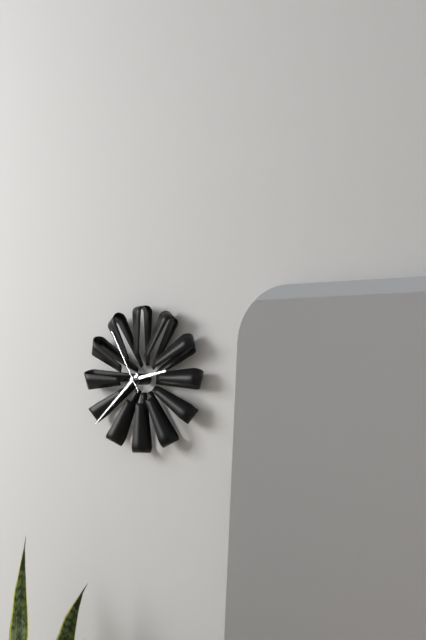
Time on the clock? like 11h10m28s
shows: 2h38m55s
